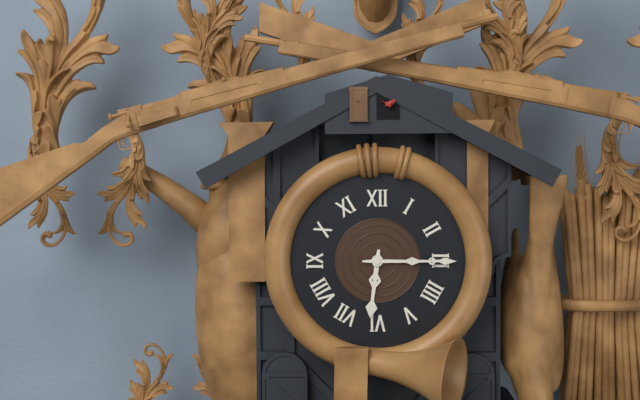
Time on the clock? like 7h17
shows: 6h15
